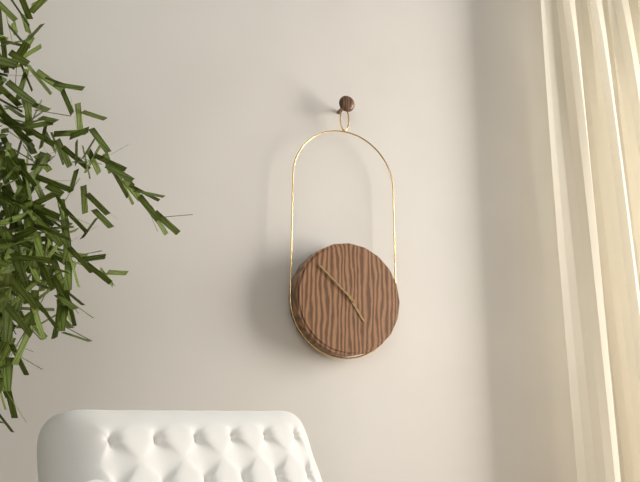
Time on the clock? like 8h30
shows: 4h52
